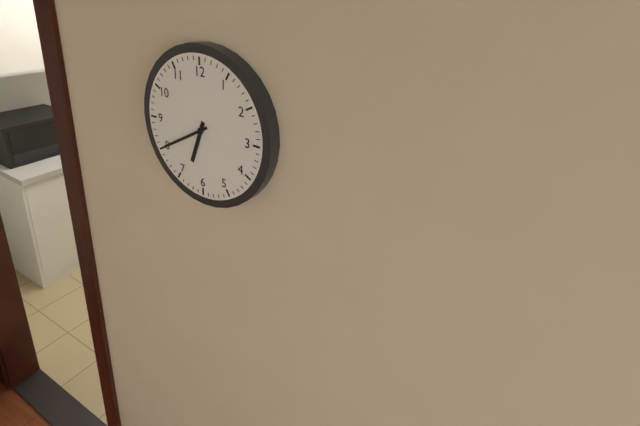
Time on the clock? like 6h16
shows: 6h40
